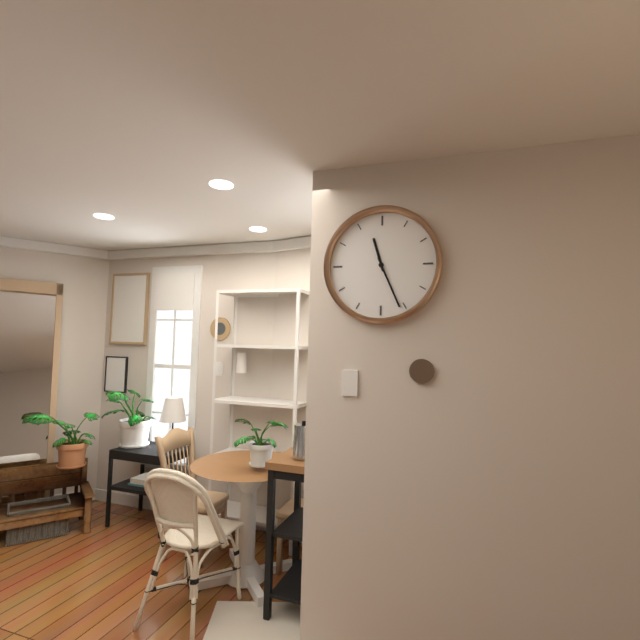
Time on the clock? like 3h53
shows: 11h26
